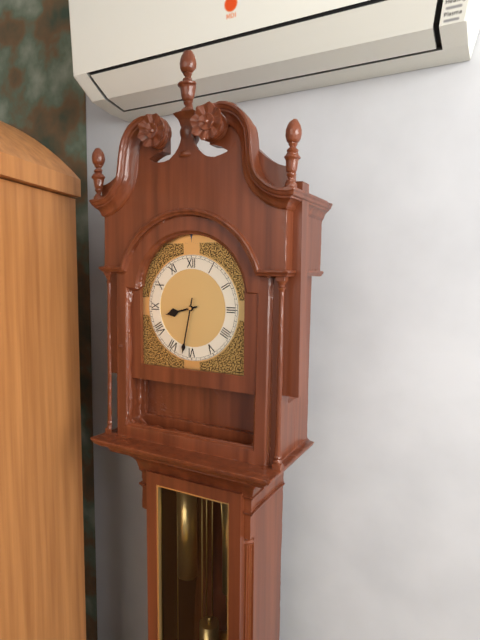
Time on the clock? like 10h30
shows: 8h32
